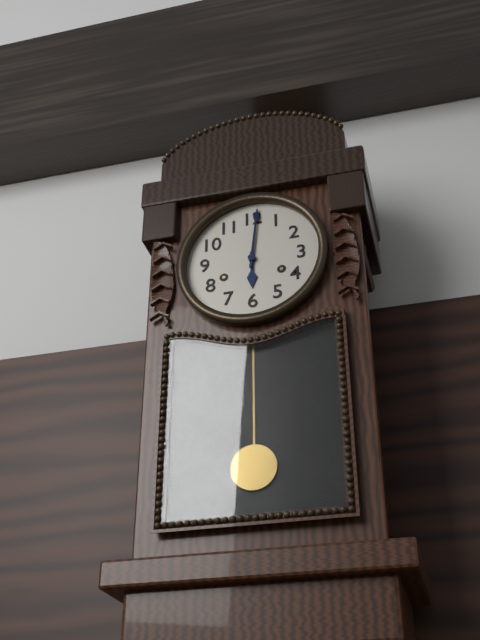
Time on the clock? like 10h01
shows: 6h01
